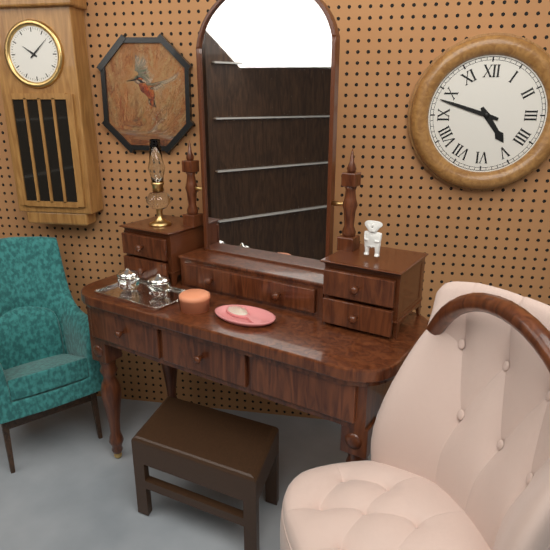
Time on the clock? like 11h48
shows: 4h48
